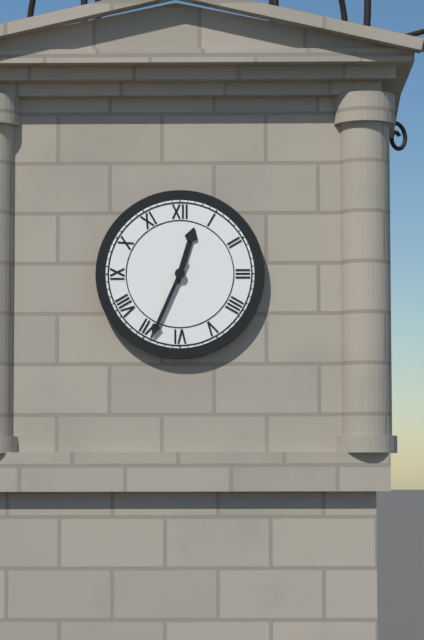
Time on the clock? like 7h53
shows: 12h34
